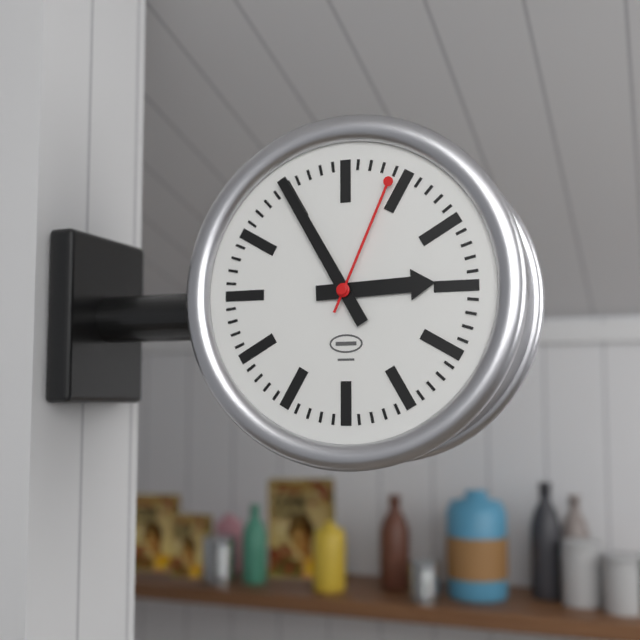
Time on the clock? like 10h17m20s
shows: 2h55m04s
